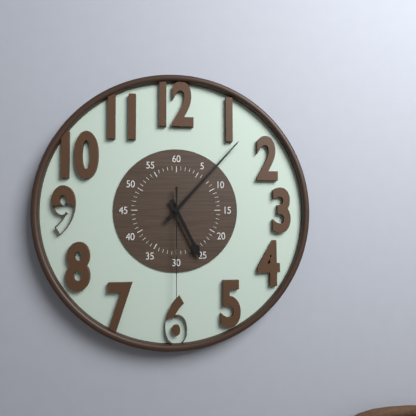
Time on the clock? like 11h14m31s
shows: 5h07m30s
